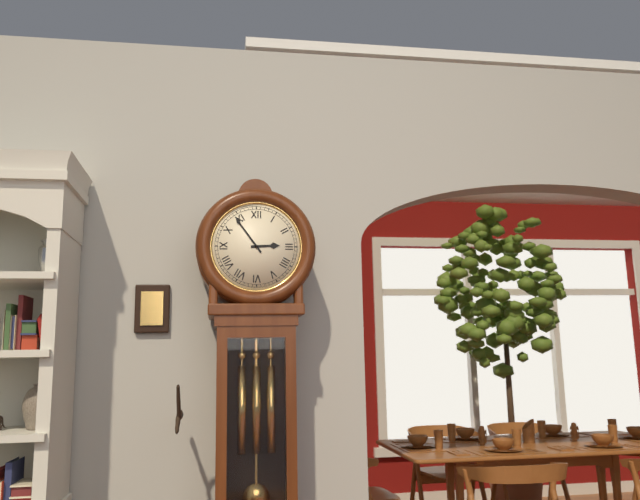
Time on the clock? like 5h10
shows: 2h54
